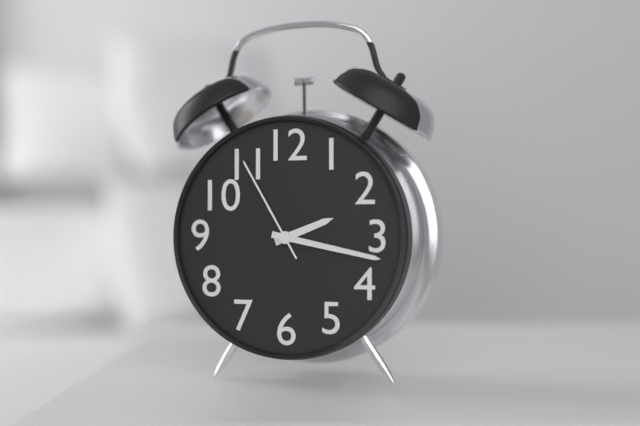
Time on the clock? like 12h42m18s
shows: 2h17m55s
